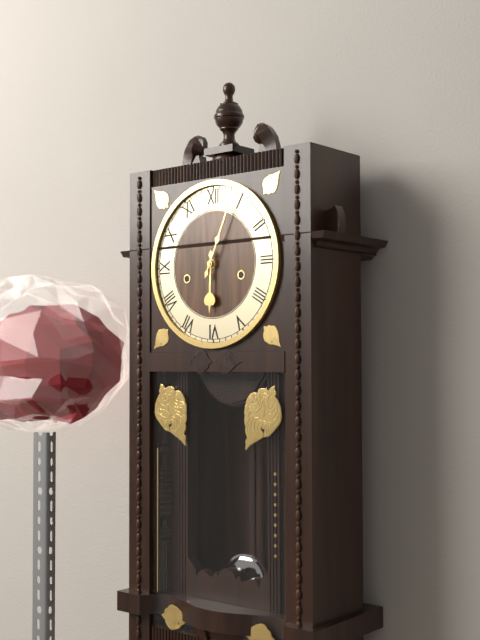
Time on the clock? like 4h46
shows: 6h04
